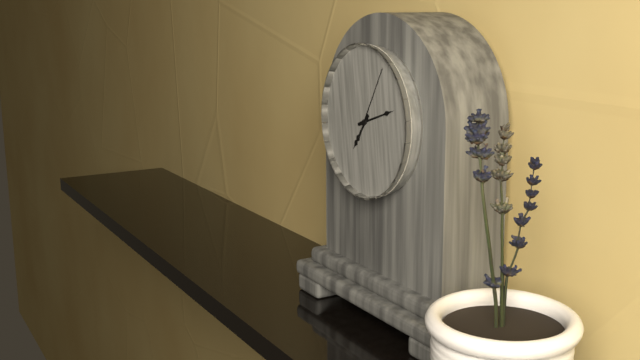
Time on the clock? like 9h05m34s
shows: 7h12m05s
